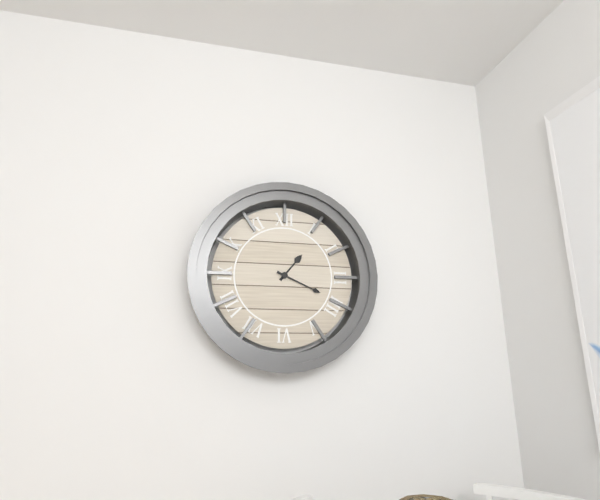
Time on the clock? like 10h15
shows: 1h19
